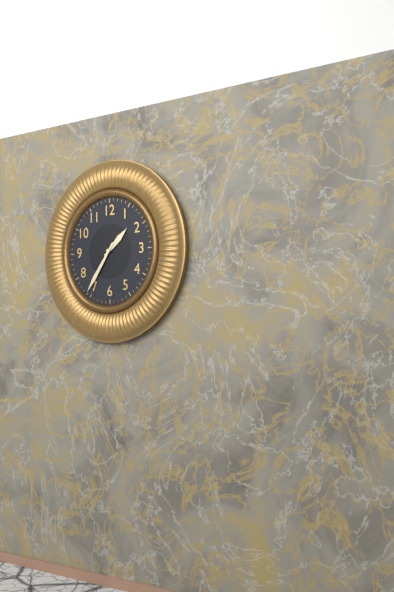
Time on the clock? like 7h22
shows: 1h36
